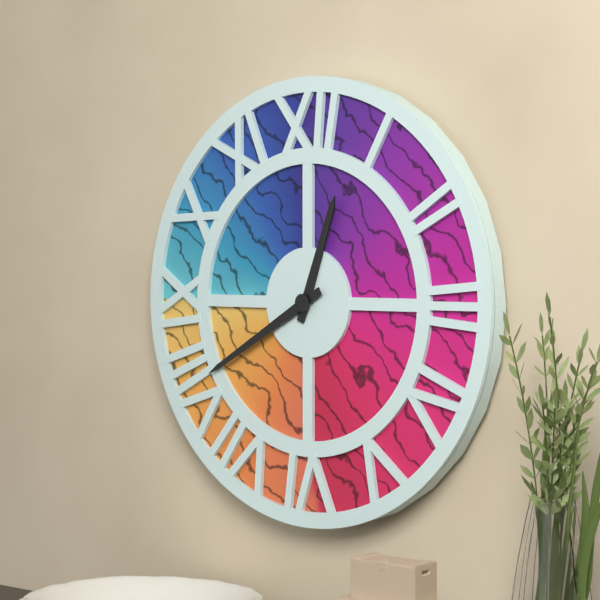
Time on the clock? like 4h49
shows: 12h40
